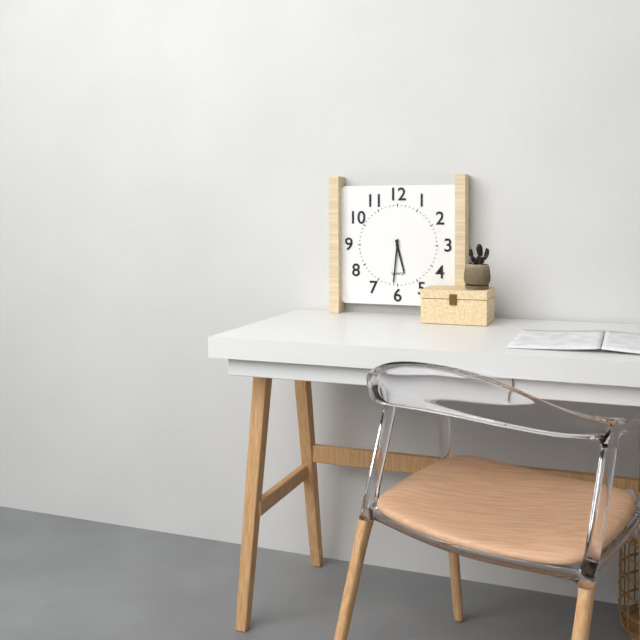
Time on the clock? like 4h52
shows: 5h31
